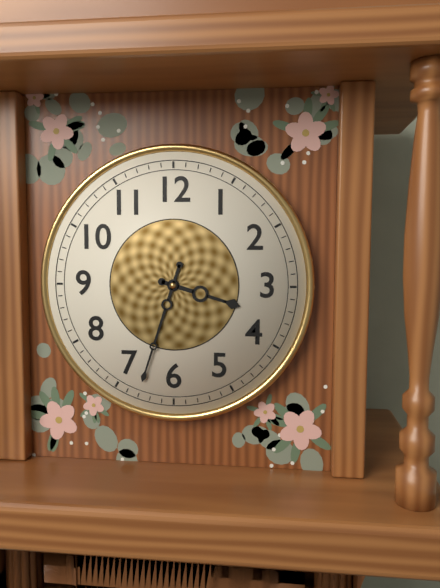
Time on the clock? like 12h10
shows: 3h33
